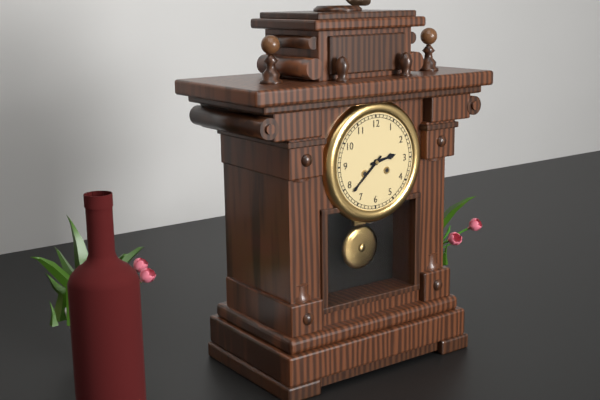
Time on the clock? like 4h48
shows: 2h38
